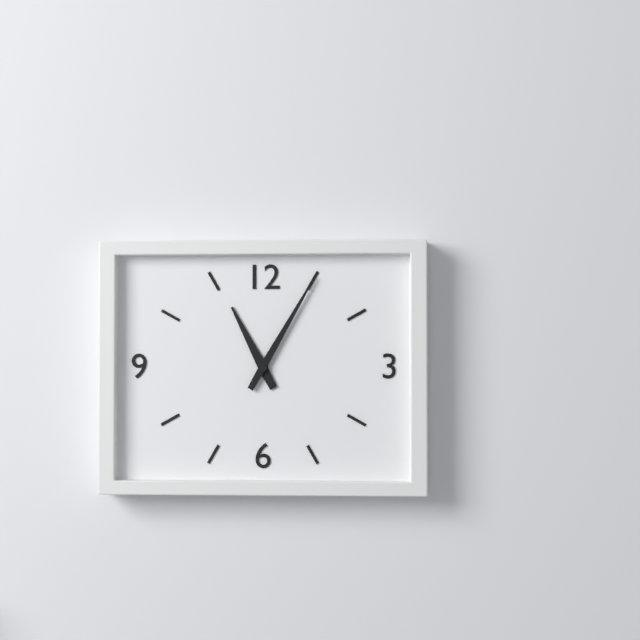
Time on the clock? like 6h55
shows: 11h05
